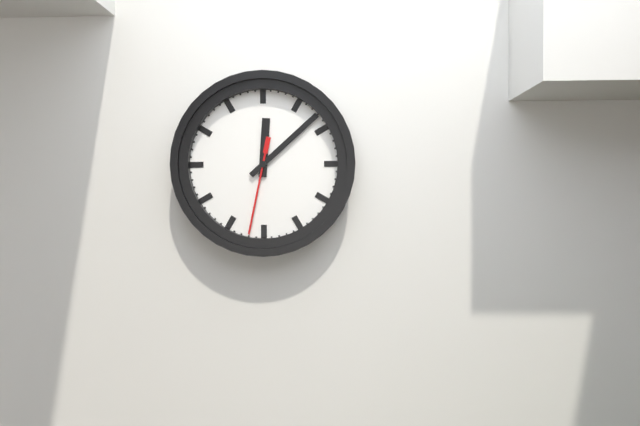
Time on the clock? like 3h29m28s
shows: 12h08m32s
